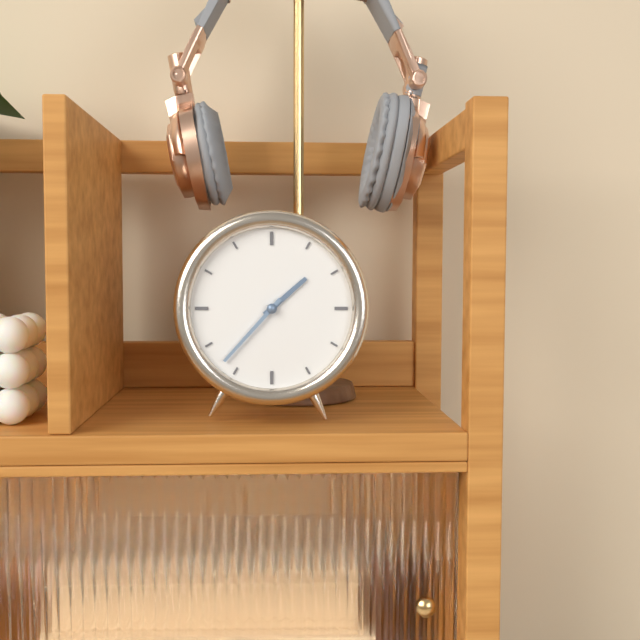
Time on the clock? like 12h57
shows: 1h37
